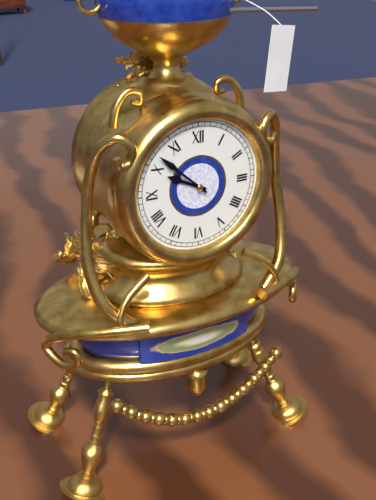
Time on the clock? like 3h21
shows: 9h52
